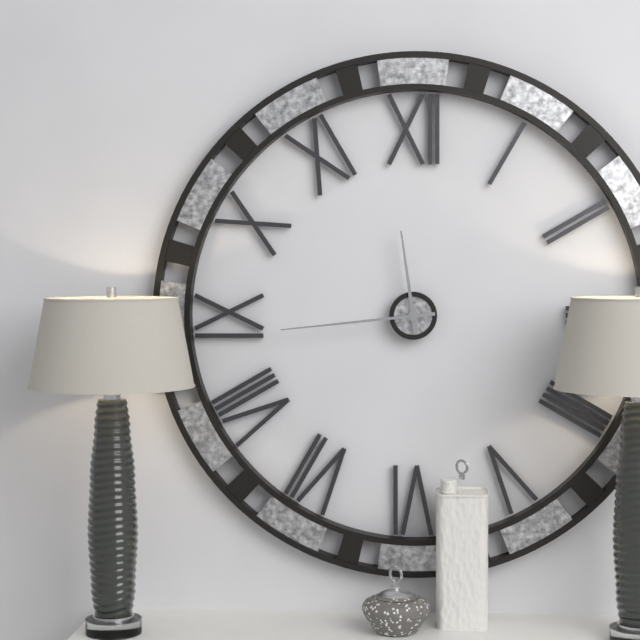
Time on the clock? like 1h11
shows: 11h44
